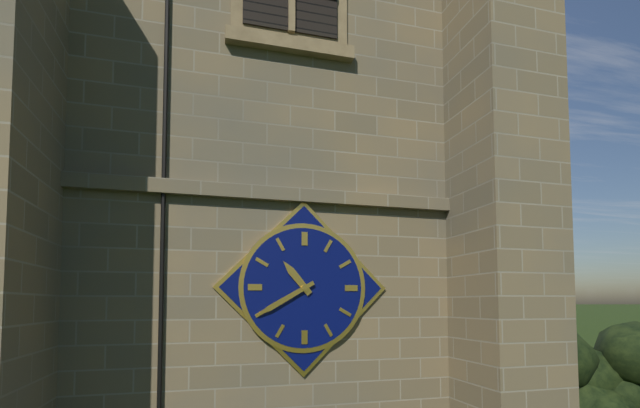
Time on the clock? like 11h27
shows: 10h40
